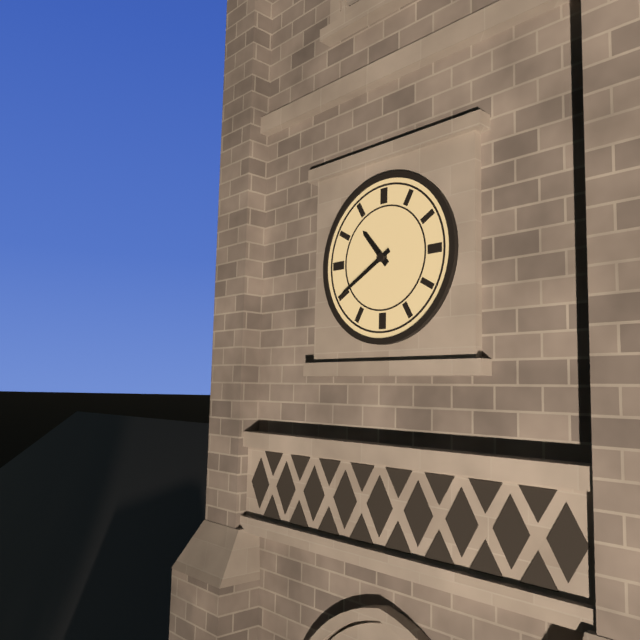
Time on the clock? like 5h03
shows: 10h40
